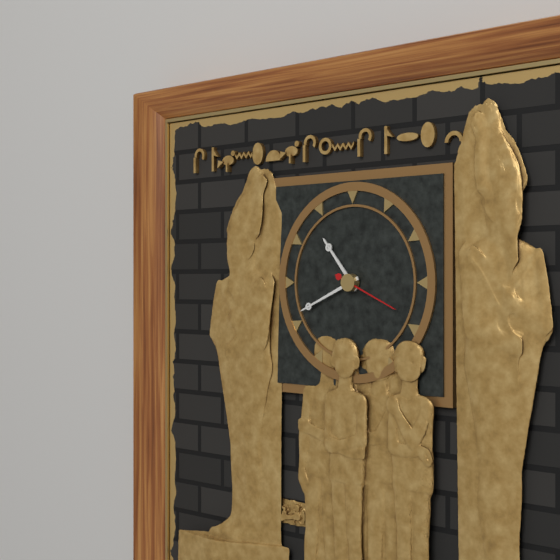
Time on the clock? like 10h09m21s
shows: 10h41m19s
